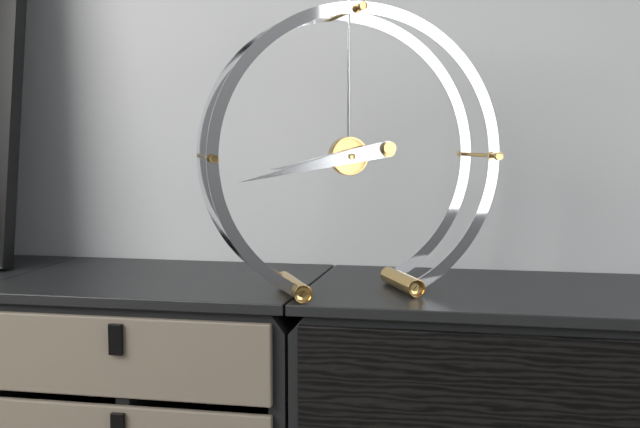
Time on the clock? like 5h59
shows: 8h43
